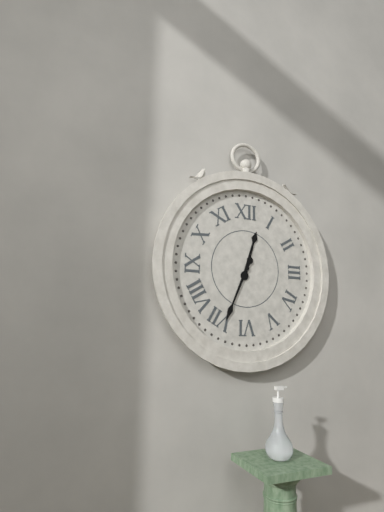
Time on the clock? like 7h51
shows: 12h34
